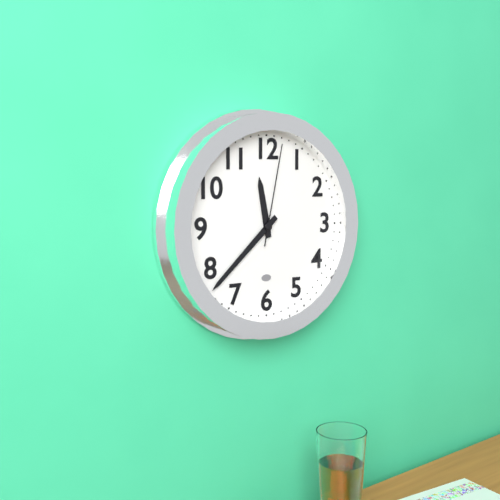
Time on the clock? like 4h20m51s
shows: 11h38m02s
